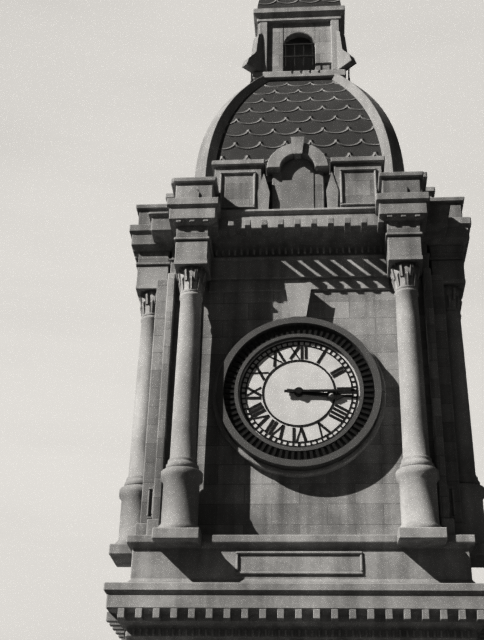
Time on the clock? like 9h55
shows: 3h15
